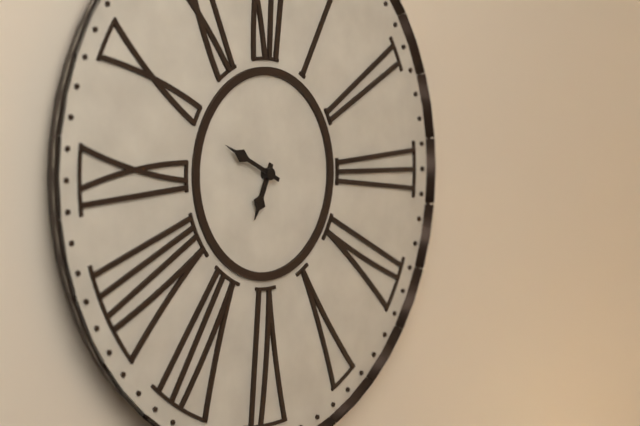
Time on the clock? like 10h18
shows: 6h49
